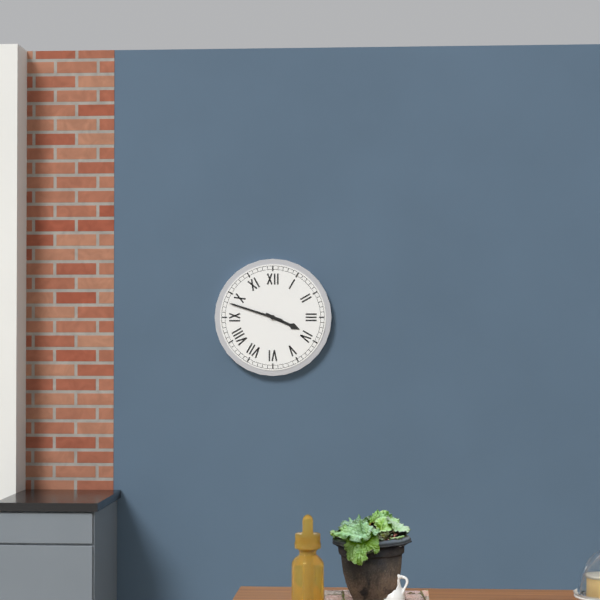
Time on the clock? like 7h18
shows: 3h48
